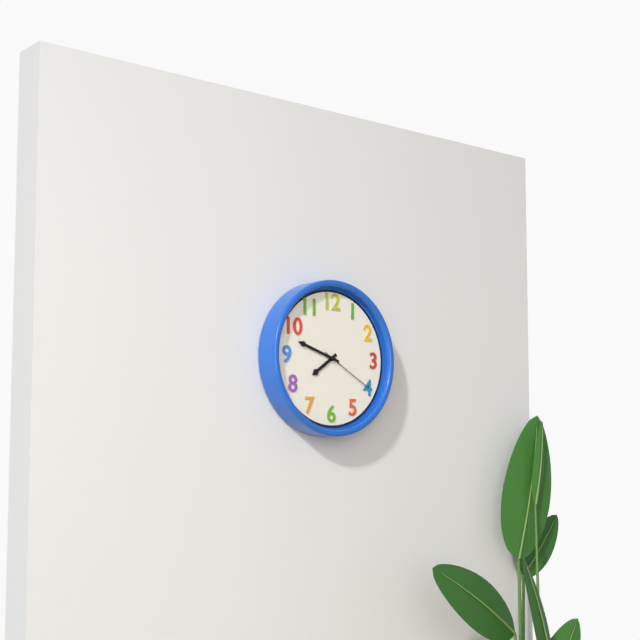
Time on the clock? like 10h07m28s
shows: 7h48m20s
